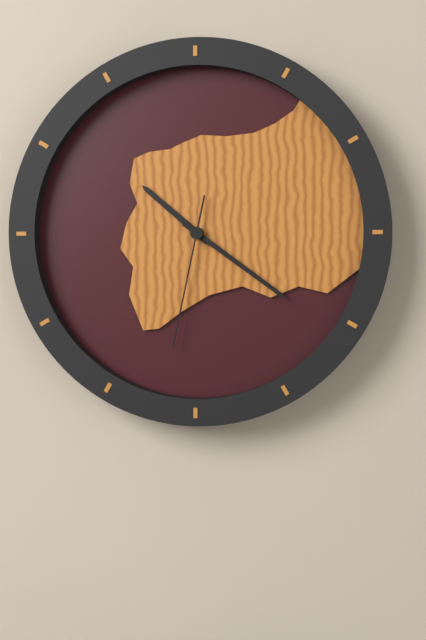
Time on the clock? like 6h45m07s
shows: 10h21m32s
